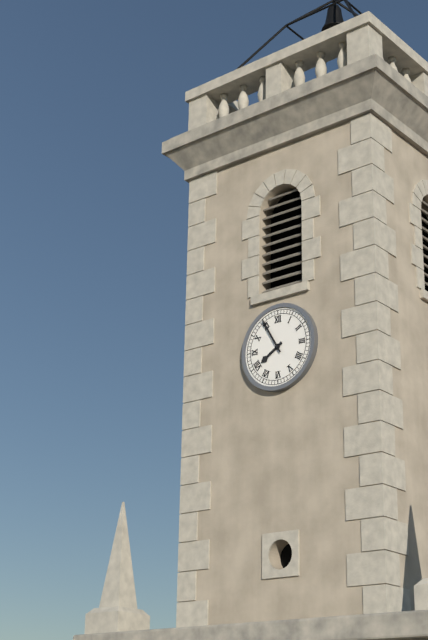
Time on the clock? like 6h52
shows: 7h55
